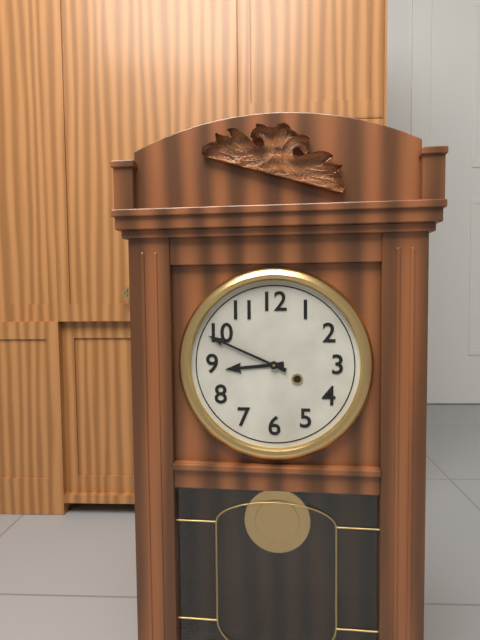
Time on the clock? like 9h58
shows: 8h49
